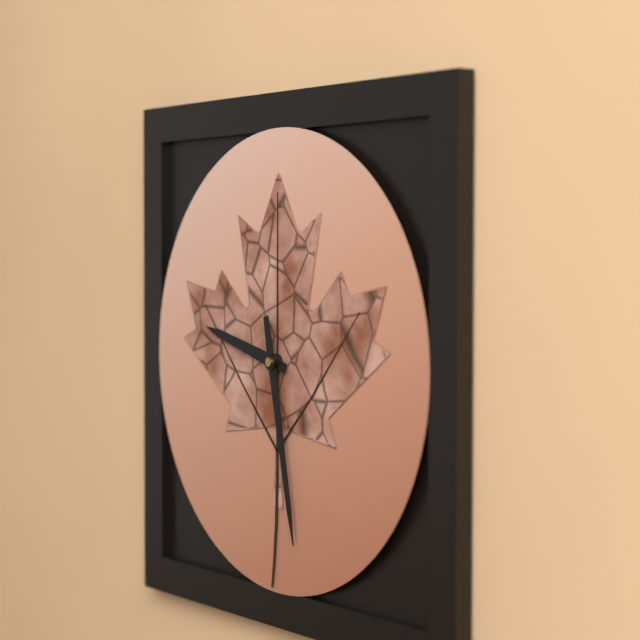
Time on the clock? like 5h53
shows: 9h28
